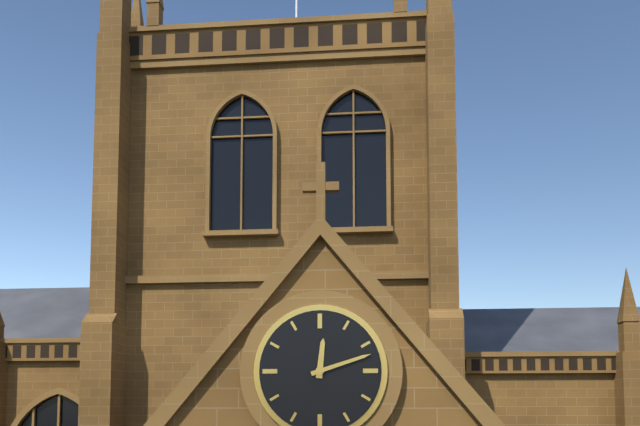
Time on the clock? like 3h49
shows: 12h12
